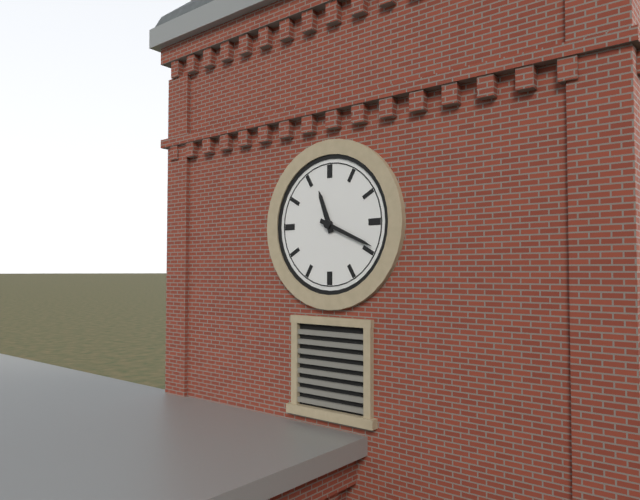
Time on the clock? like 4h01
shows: 11h19
